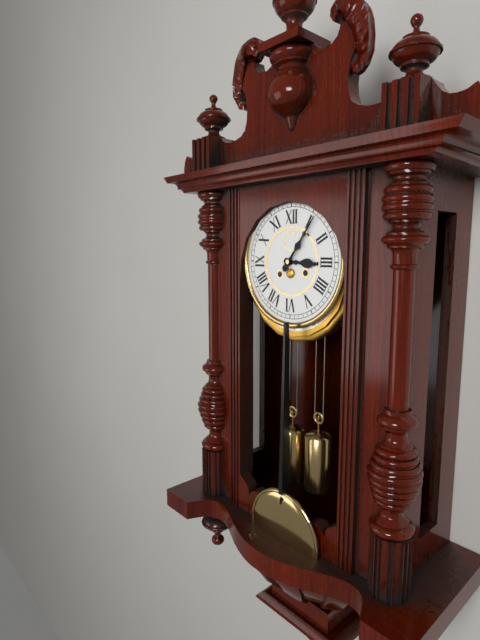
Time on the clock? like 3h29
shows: 3h06
